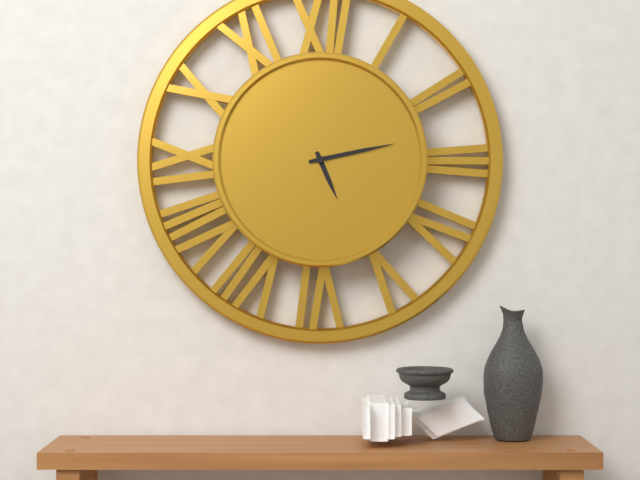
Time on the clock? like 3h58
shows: 5h13
